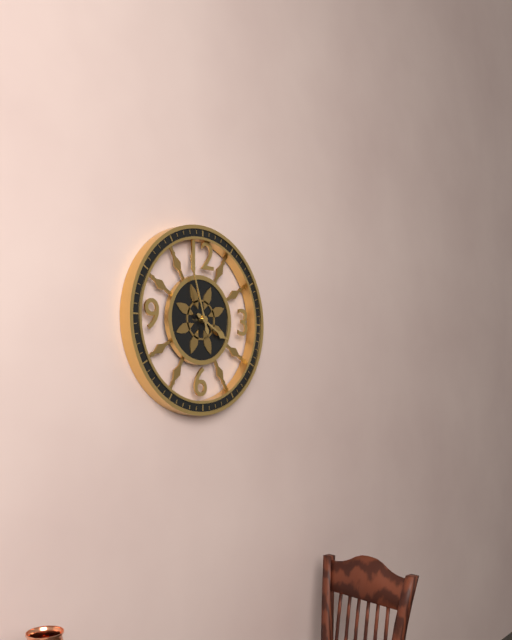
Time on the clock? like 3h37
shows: 3h57
